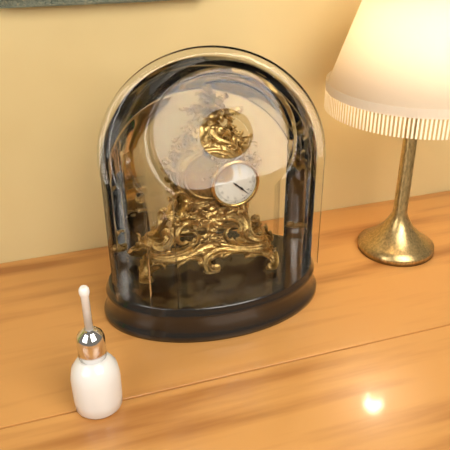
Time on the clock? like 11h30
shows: 4h22
